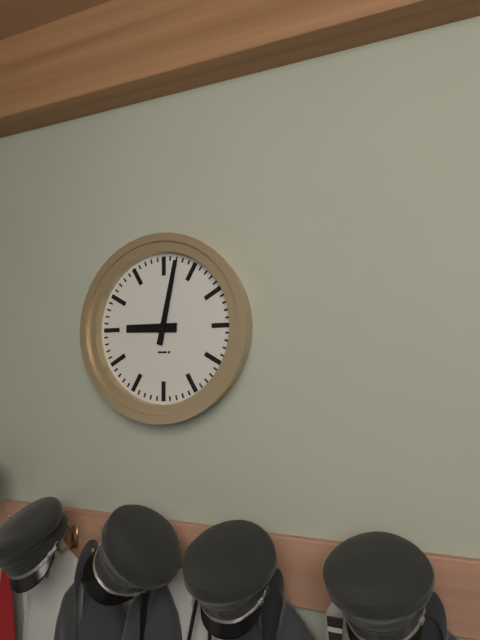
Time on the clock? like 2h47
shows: 9h02
